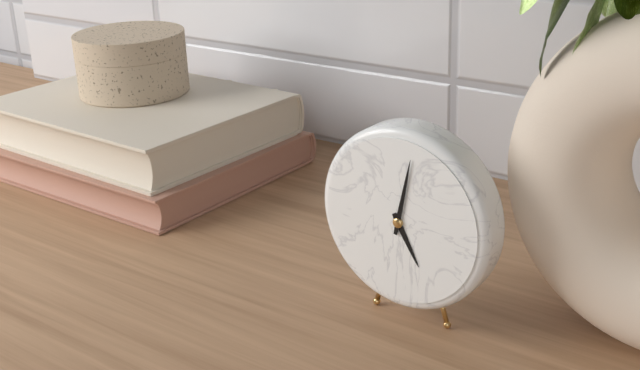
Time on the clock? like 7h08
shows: 5h02
